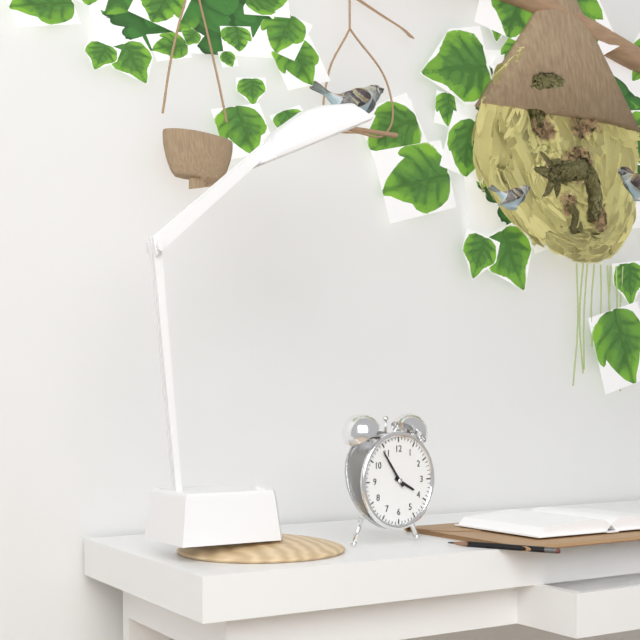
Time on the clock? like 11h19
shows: 3h54
